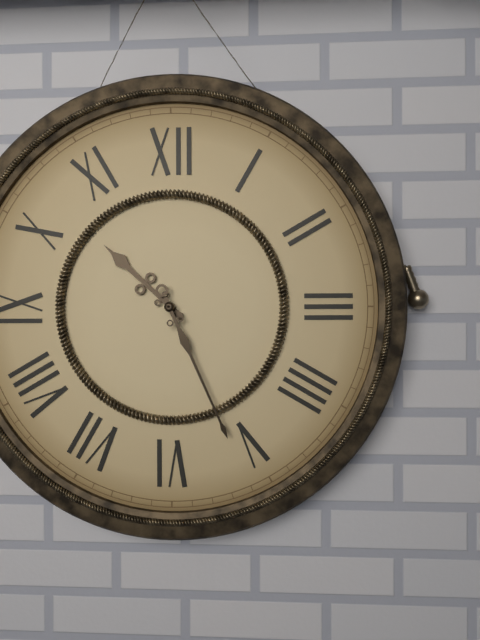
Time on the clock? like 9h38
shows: 10h26
